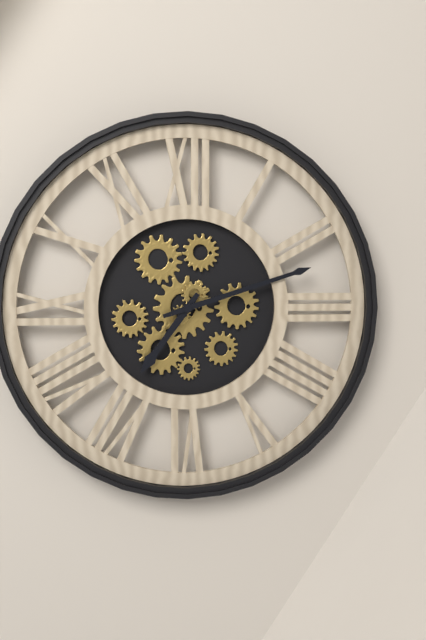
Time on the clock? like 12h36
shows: 7h12
